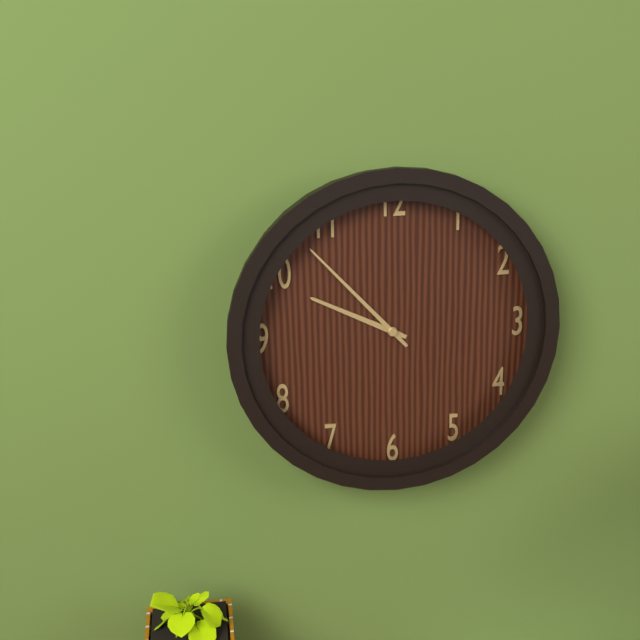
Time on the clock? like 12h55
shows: 9h53
